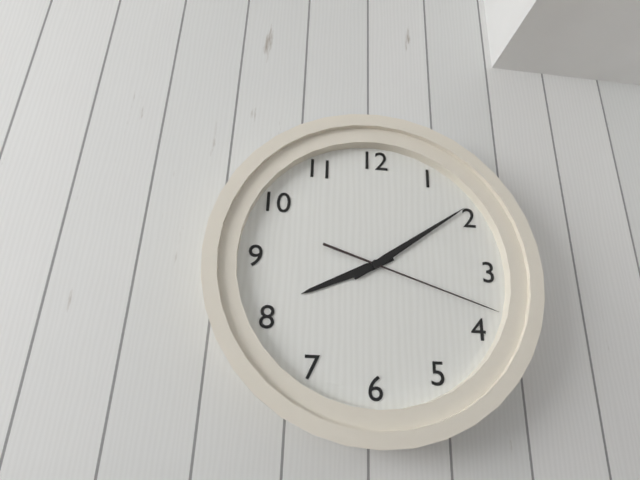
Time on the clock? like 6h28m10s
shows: 8h09m18s
